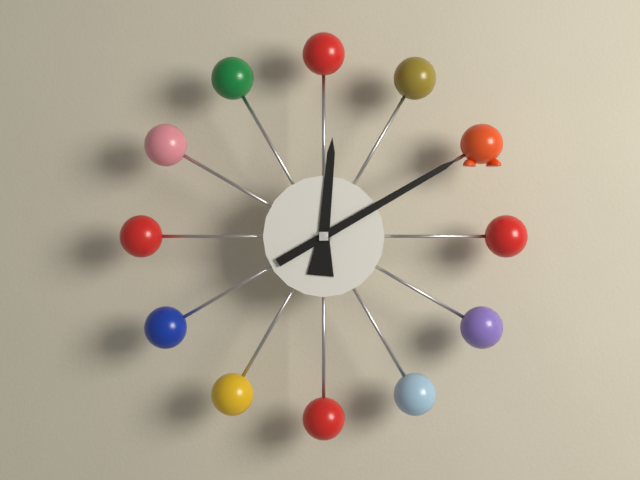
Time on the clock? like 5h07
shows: 12h10
